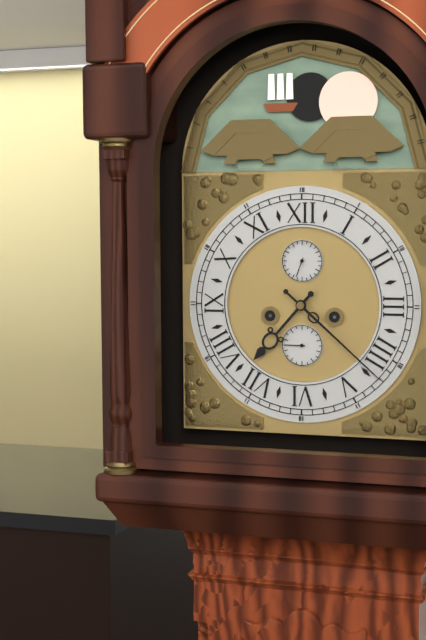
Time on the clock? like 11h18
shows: 7h22
